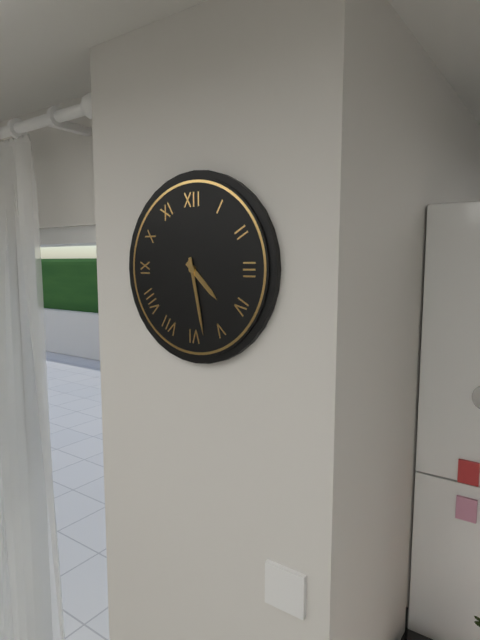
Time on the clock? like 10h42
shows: 4h28
